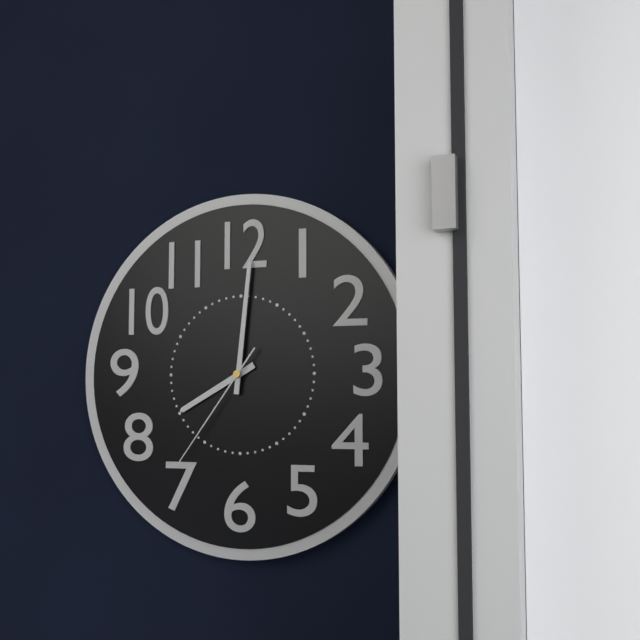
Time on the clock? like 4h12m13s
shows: 8h01m36s
